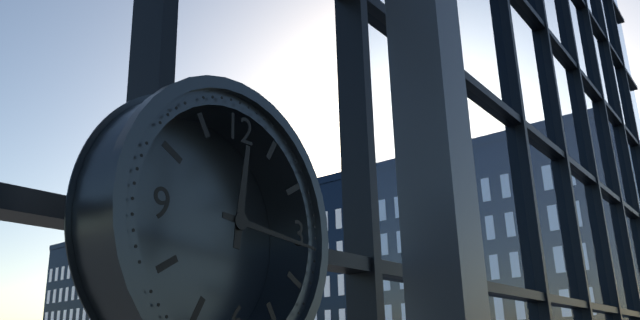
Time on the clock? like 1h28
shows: 12h16
